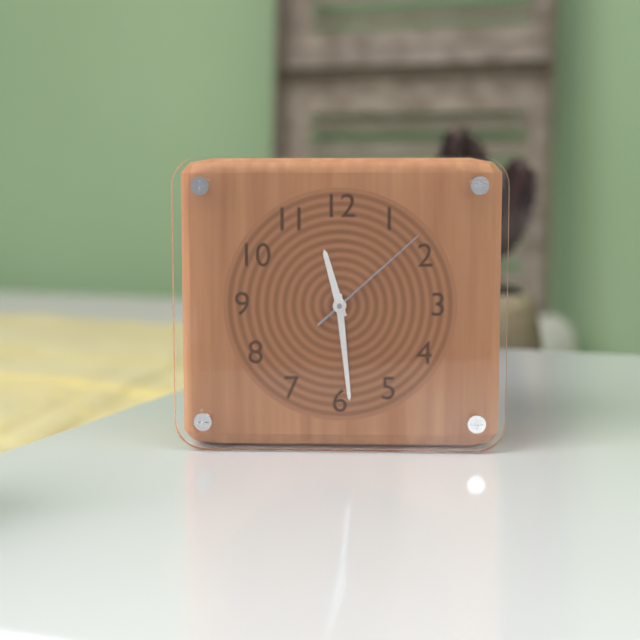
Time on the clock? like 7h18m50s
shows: 11h29m08s
